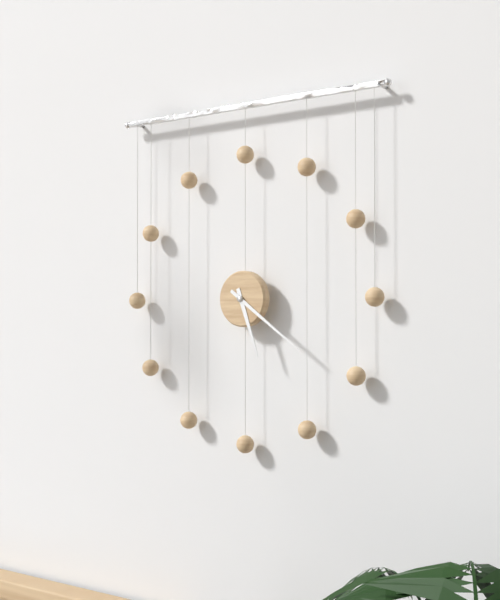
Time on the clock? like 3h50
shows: 5h21
